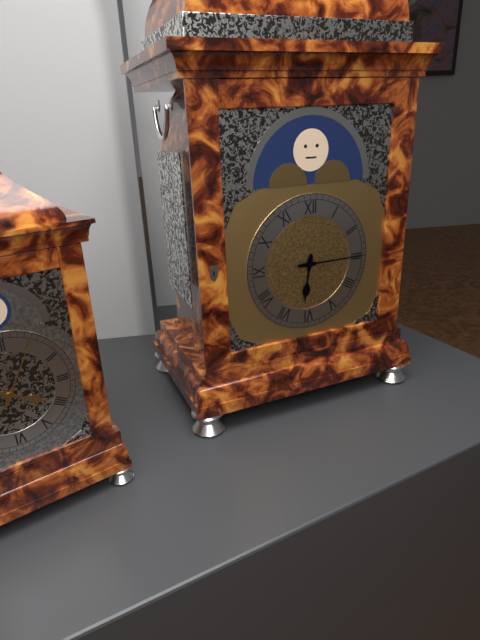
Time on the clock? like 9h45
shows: 6h15
